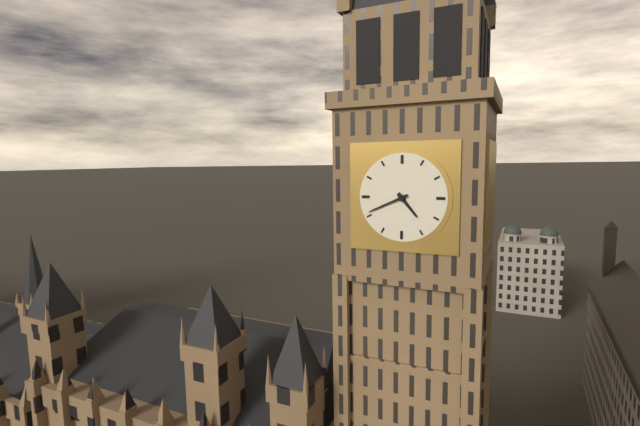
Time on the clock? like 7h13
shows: 4h41
